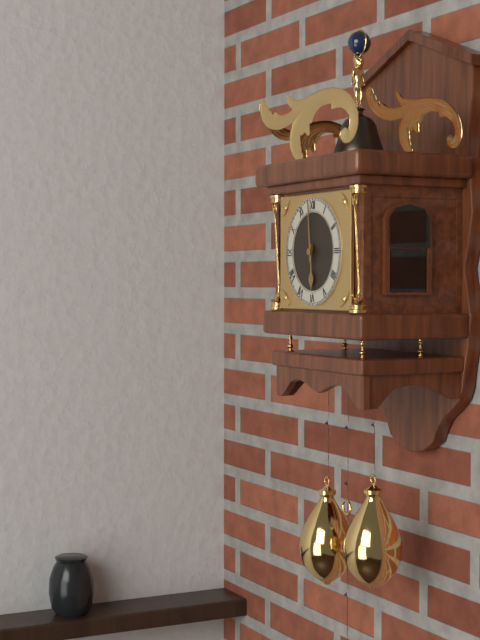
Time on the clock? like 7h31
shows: 5h59
